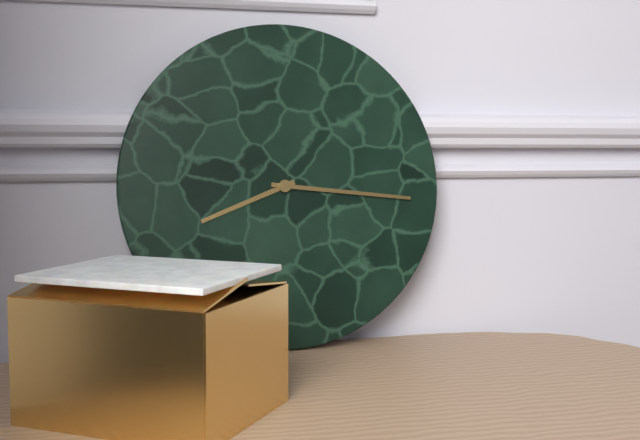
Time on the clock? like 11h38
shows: 8h16
